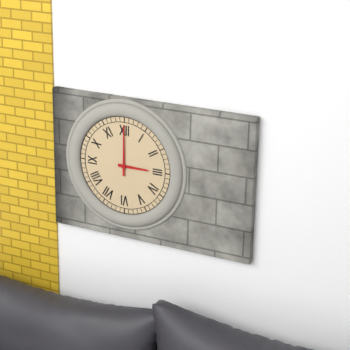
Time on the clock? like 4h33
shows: 3h00
